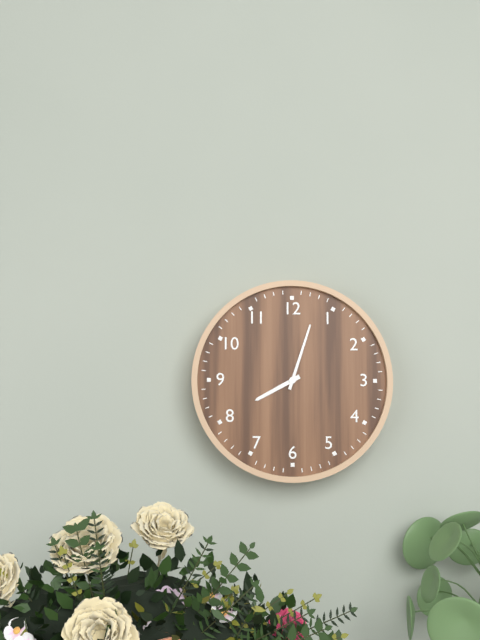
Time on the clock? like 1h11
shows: 8h03
